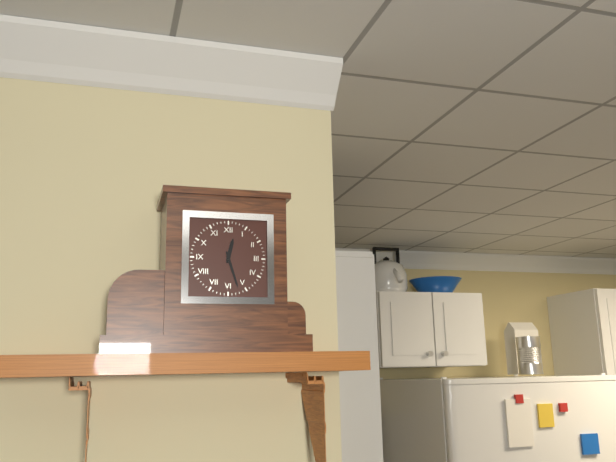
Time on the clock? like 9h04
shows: 12h27
